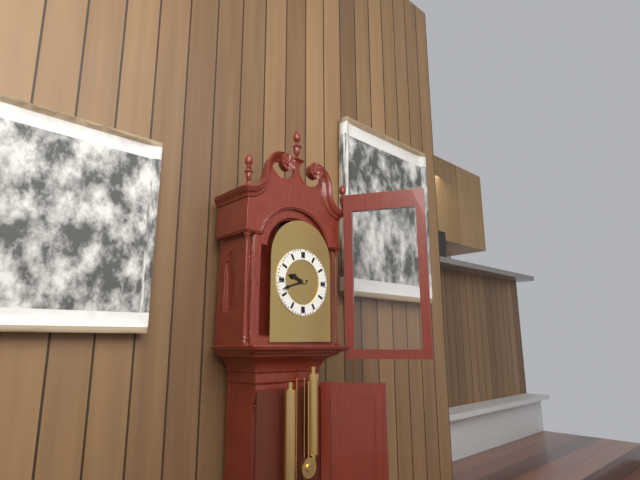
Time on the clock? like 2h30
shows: 9h42
